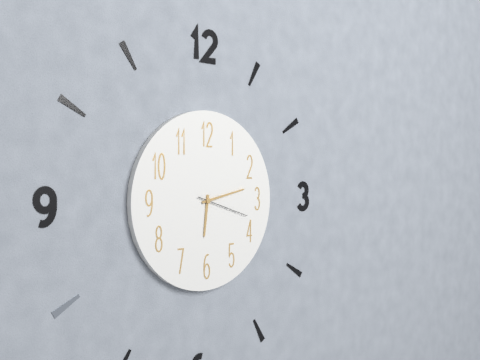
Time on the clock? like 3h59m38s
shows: 6h13m18s
